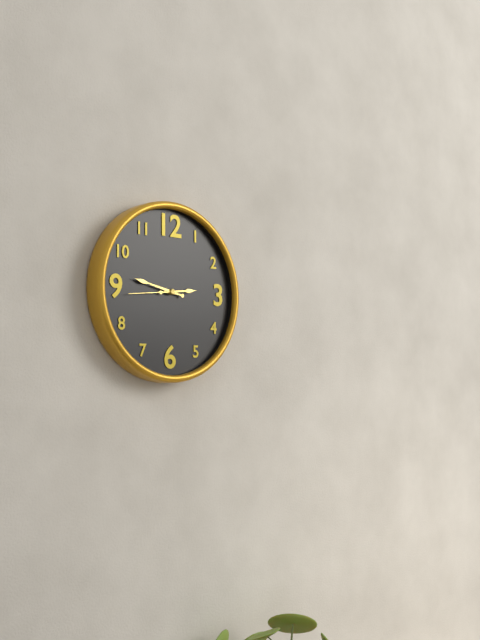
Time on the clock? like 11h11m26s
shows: 2h47m44s
